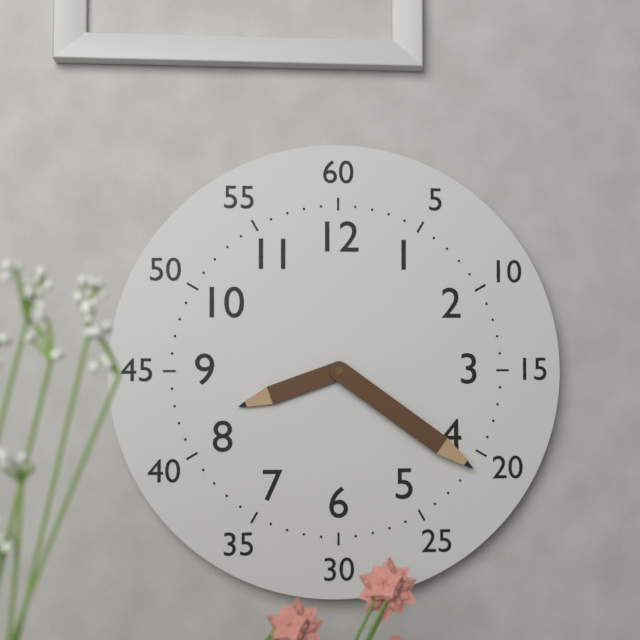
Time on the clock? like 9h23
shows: 8h21
